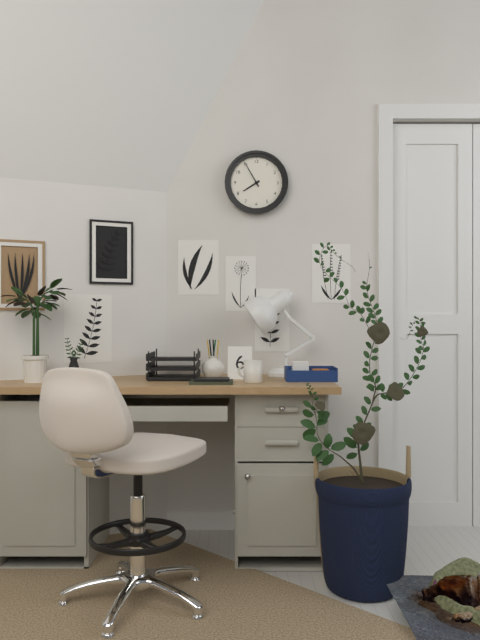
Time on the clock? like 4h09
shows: 7h55
